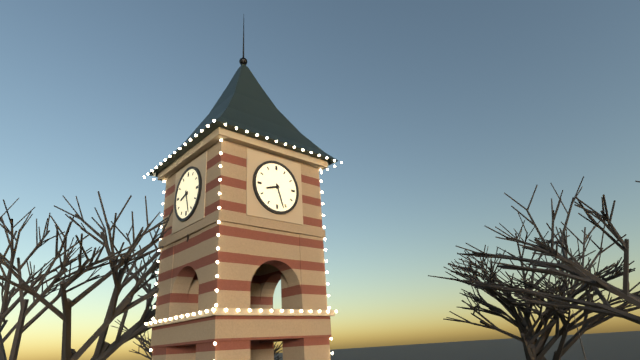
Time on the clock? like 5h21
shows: 8h27
